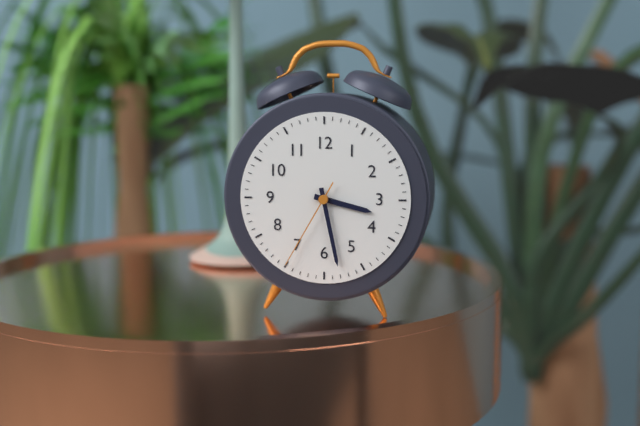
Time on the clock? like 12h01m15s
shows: 3h28m35s
